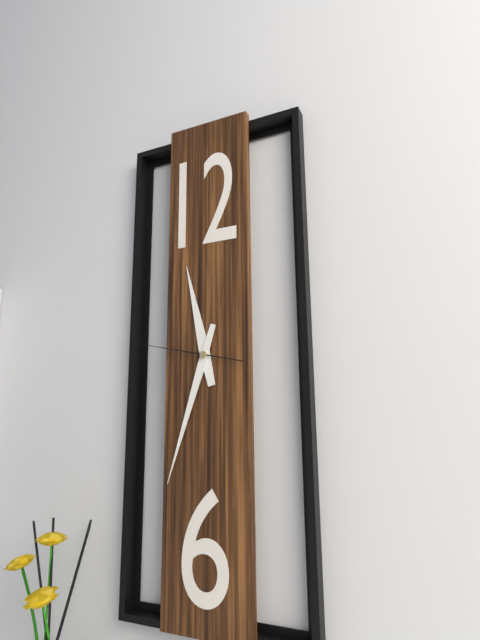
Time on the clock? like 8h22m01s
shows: 11h33m47s
